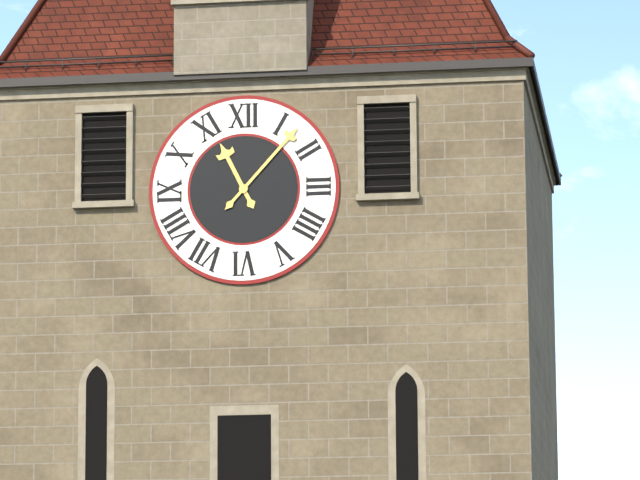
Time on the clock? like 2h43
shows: 11h07
